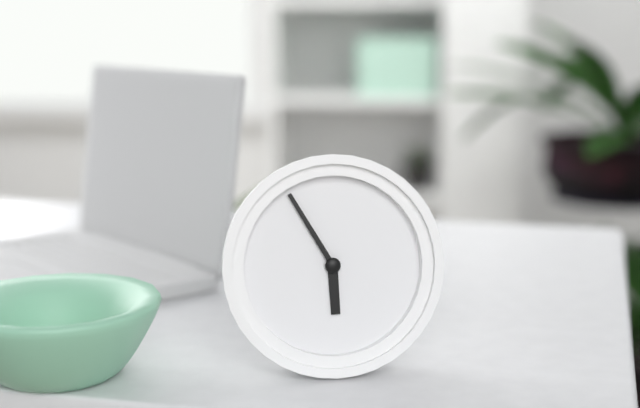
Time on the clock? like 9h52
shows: 5h55
